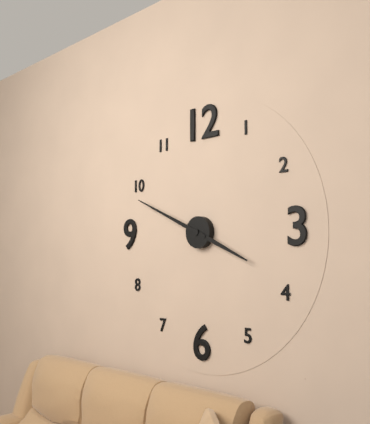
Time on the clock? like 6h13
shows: 3h49
